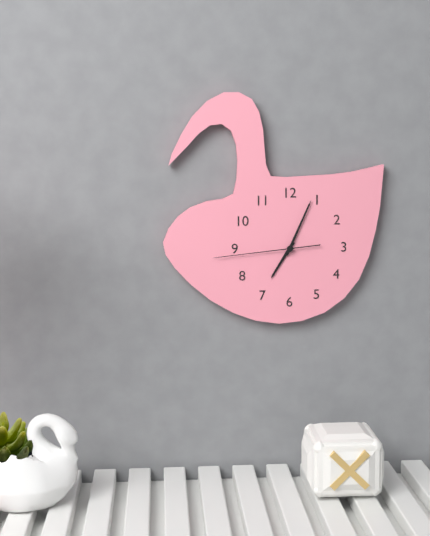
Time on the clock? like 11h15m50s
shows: 7h04m44s
